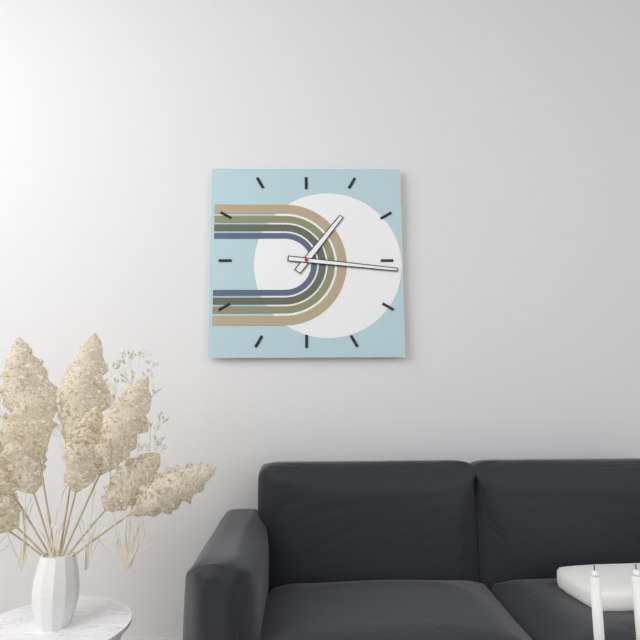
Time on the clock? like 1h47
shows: 1h16
